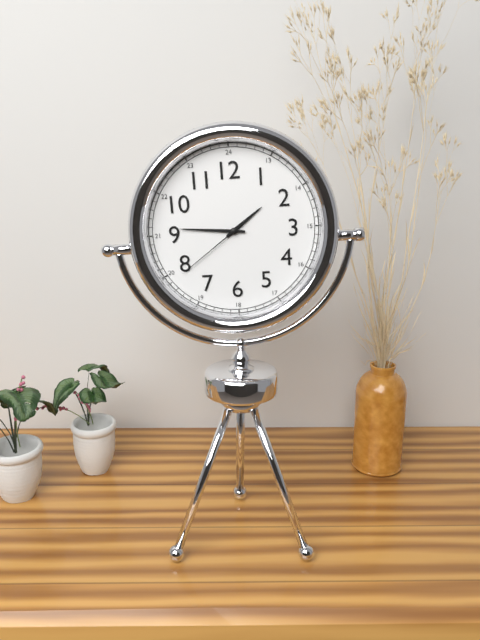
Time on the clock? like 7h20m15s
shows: 1h46m39s
